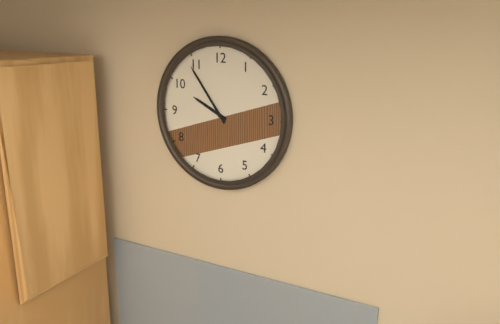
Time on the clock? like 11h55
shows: 9h54
